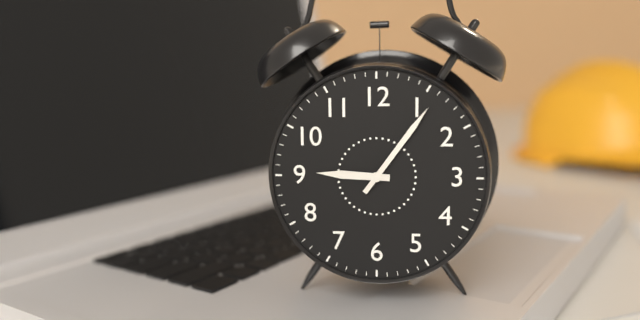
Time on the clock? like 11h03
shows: 9h06
